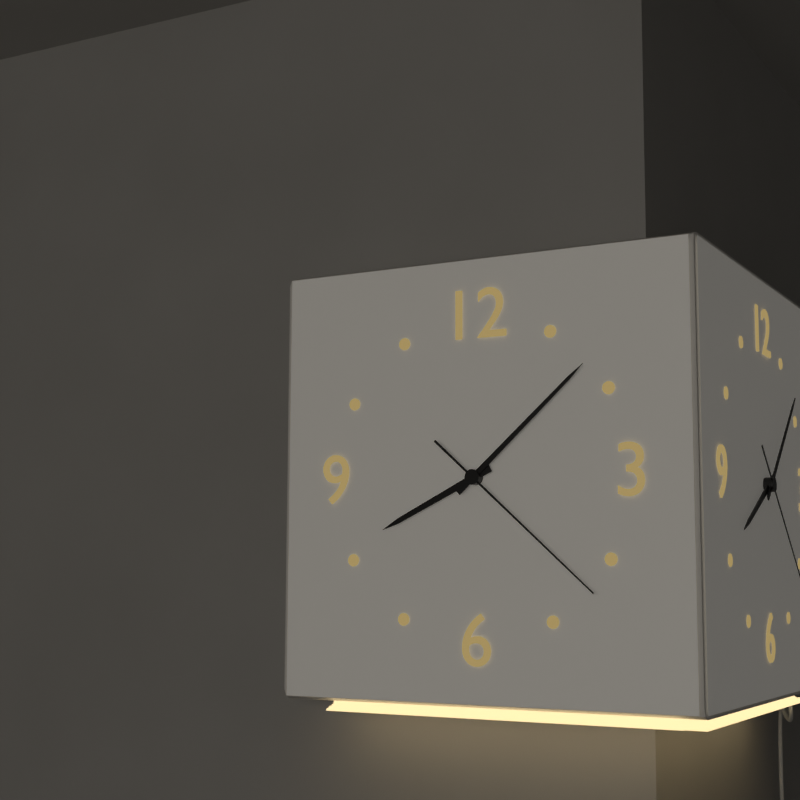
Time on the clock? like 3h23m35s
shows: 8h08m22s
